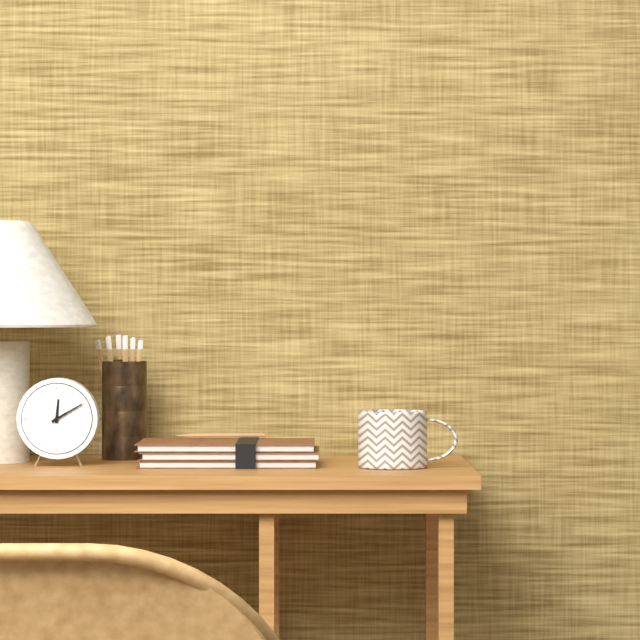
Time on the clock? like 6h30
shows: 12h10
